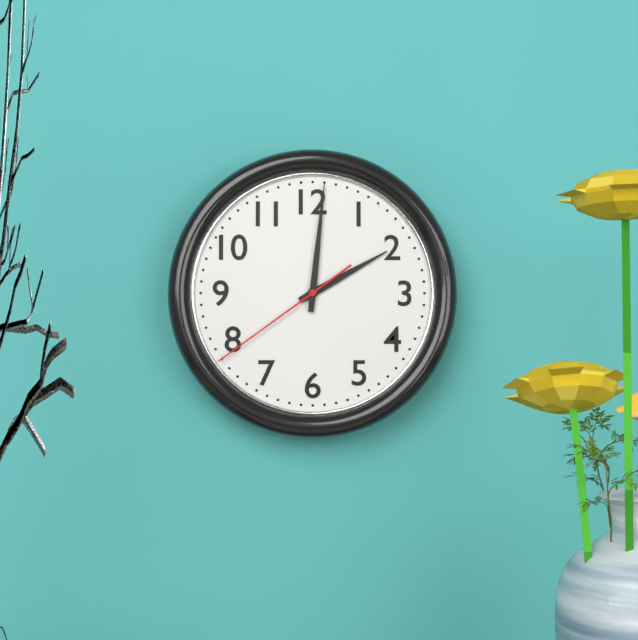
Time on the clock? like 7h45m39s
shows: 2h01m39s
